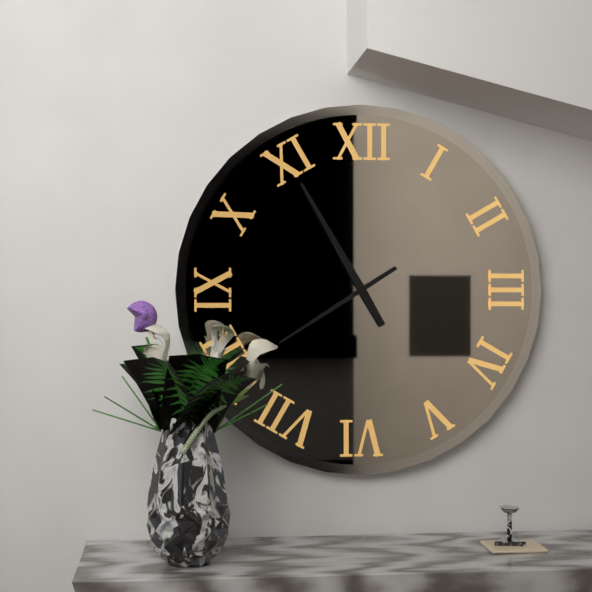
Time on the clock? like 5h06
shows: 7h55
